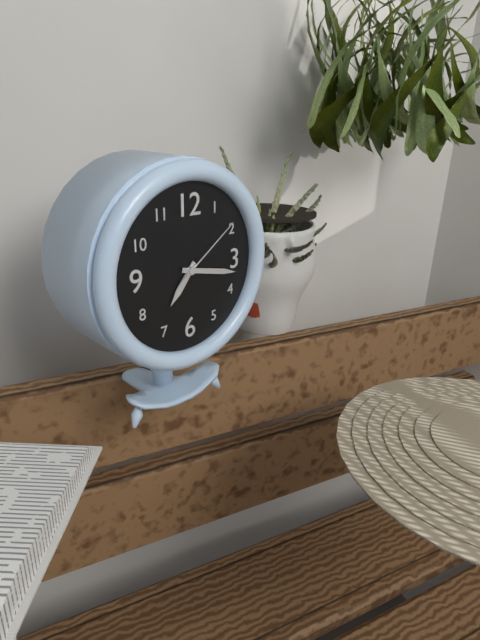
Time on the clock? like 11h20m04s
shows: 7h17m09s
